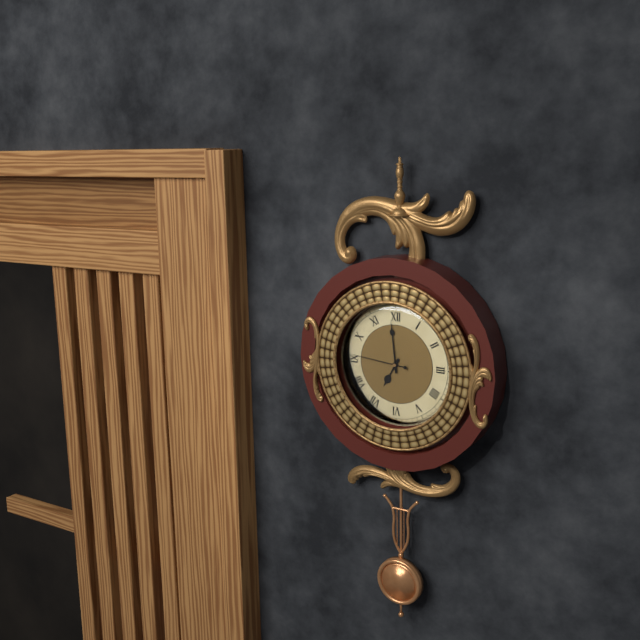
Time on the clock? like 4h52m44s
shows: 6h59m46s
